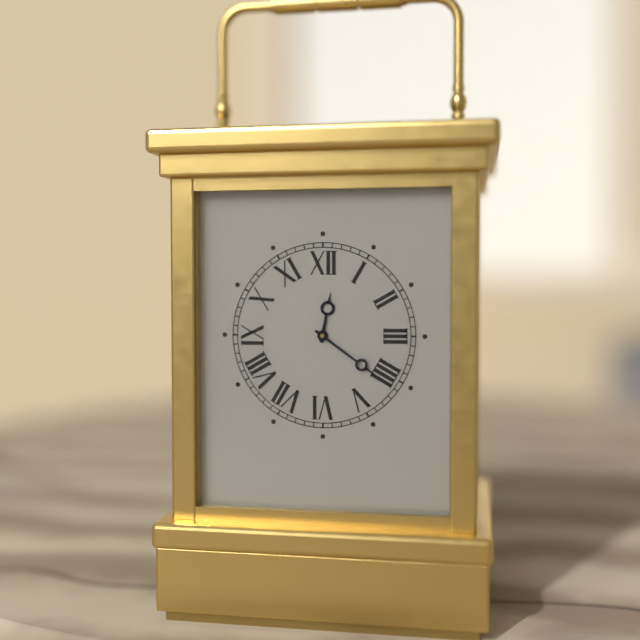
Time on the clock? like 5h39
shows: 12h21
